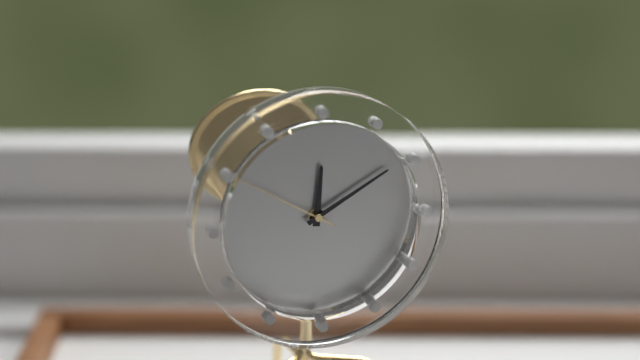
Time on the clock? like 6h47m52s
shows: 12h10m50s
